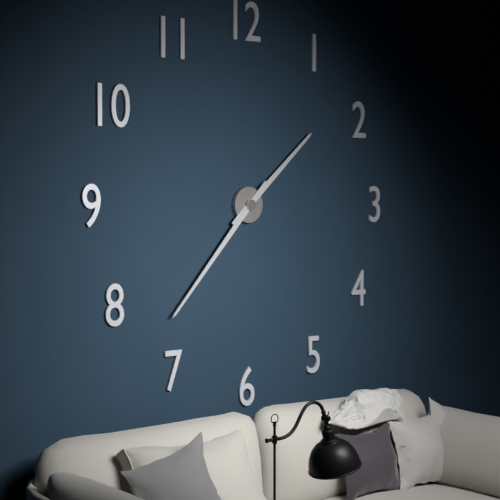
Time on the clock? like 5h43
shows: 1h37
